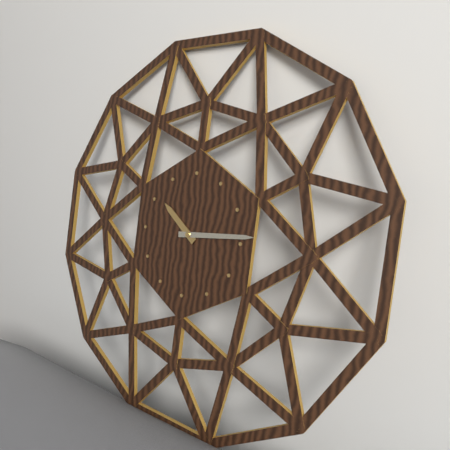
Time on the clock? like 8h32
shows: 10h14
